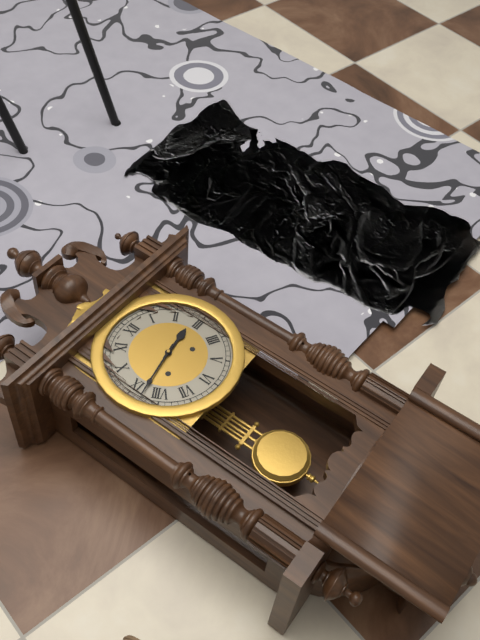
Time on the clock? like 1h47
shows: 2h43
